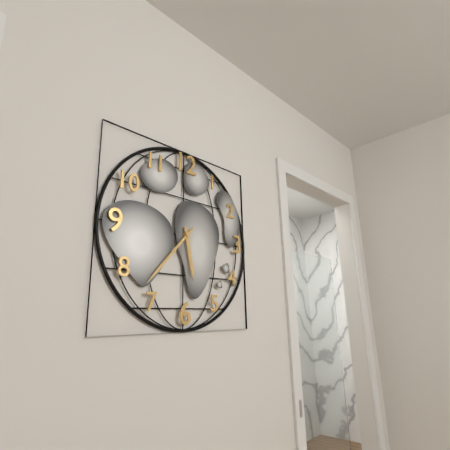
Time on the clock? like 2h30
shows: 5h37
